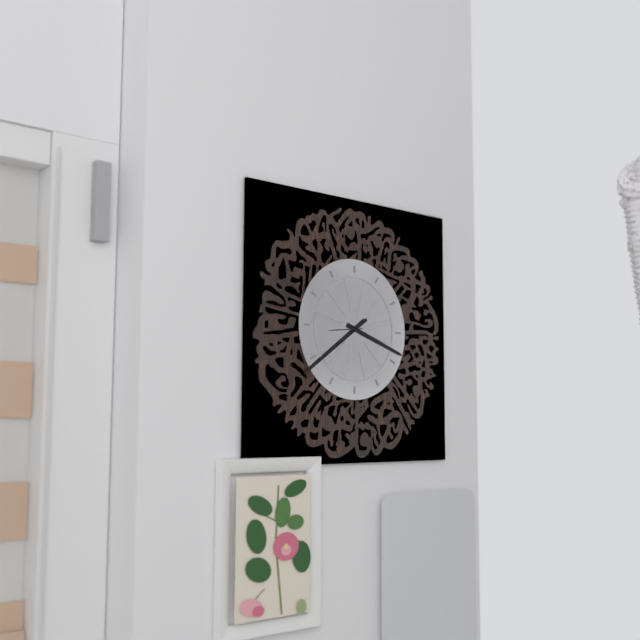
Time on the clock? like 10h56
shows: 3h39
